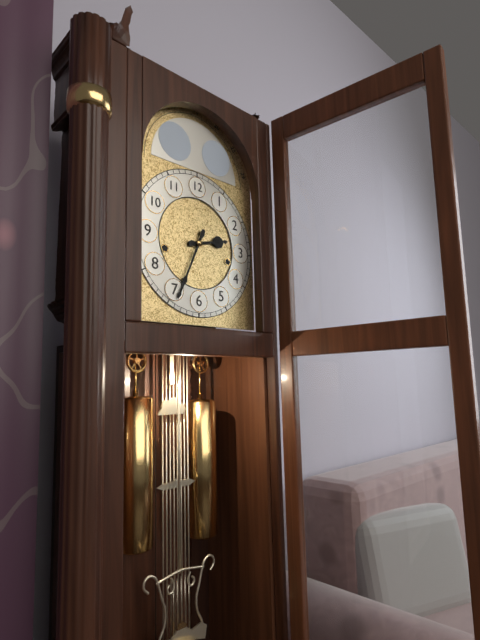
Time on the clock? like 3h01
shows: 2h34
